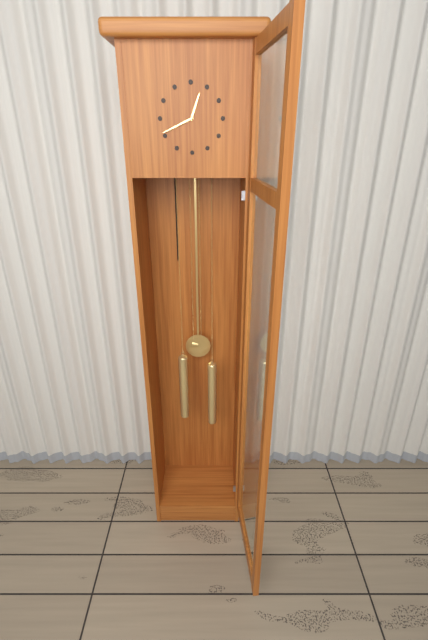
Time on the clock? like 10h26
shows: 12h41
